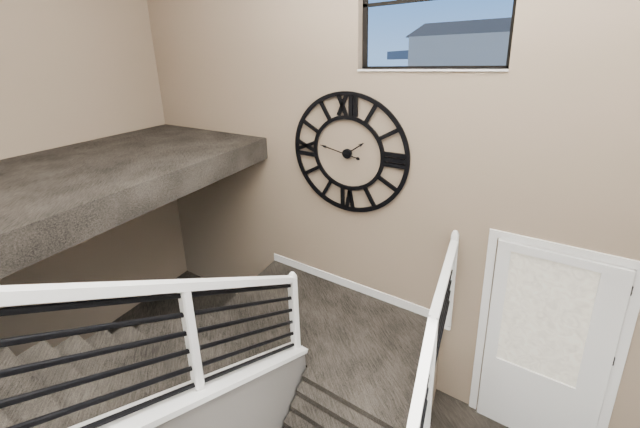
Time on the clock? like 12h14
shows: 1h47
